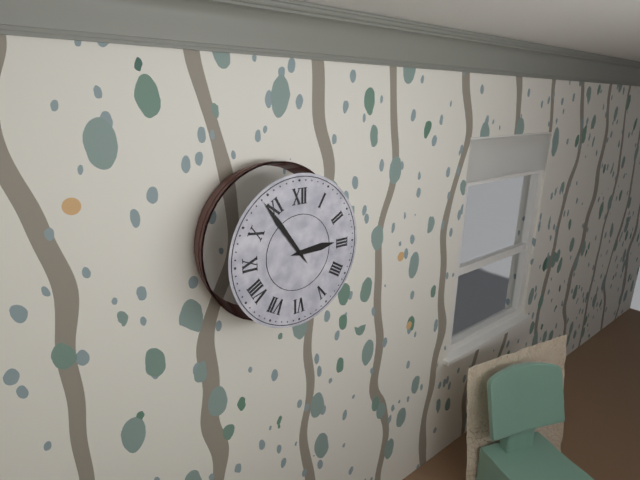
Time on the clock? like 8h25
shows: 2h54
